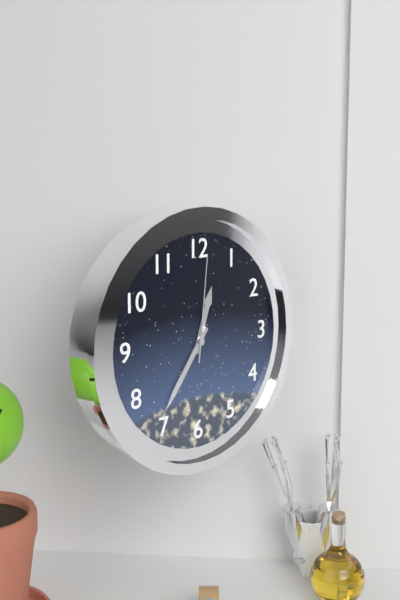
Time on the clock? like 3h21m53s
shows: 12h36m01s
